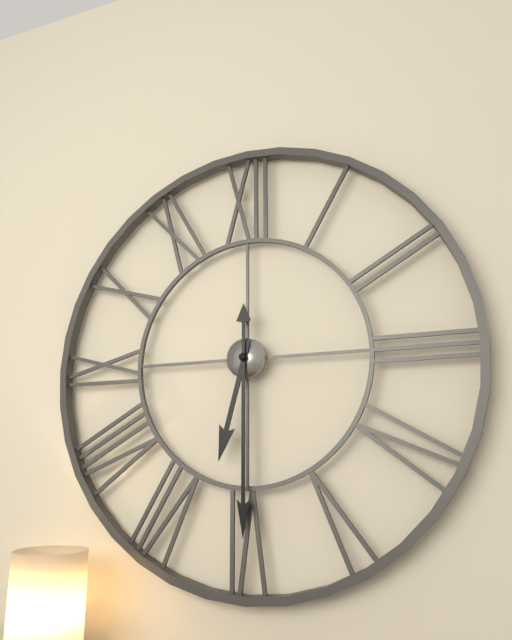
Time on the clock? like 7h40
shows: 6h30
